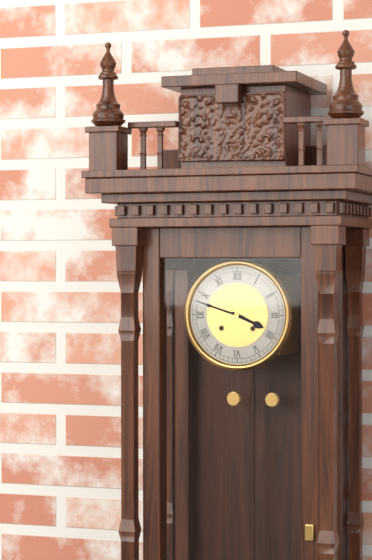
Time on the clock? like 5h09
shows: 3h48
